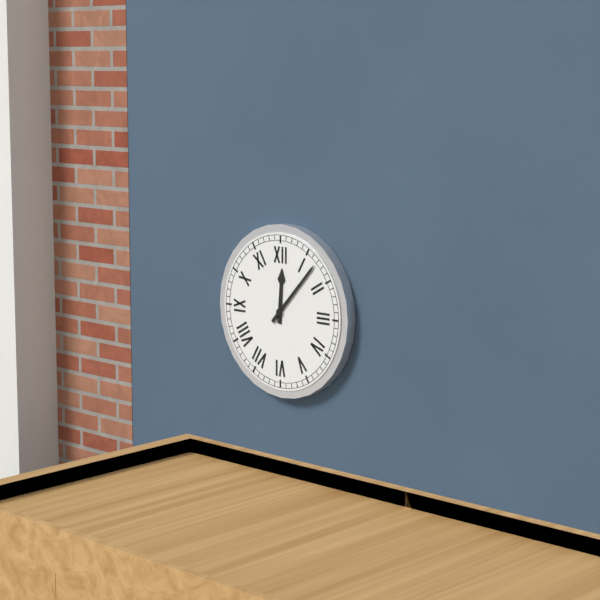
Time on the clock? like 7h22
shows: 12h07
